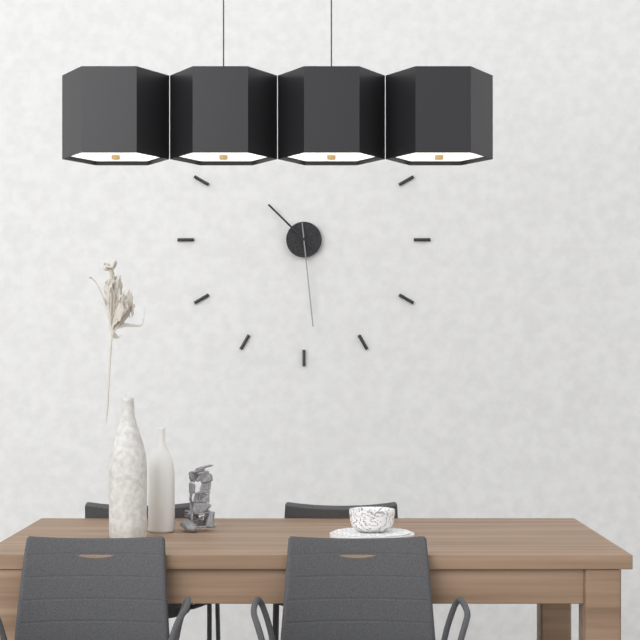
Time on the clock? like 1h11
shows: 10h29
